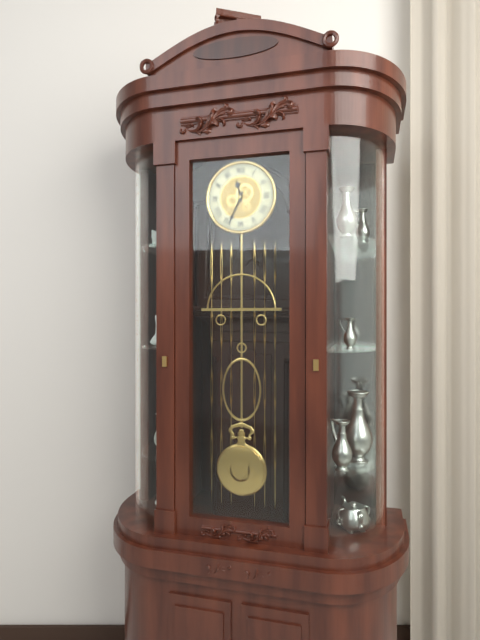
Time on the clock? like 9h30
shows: 11h34
